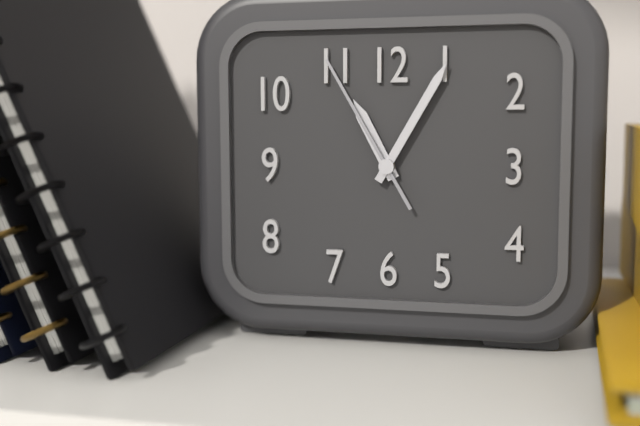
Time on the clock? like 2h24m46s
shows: 11h05m55s
